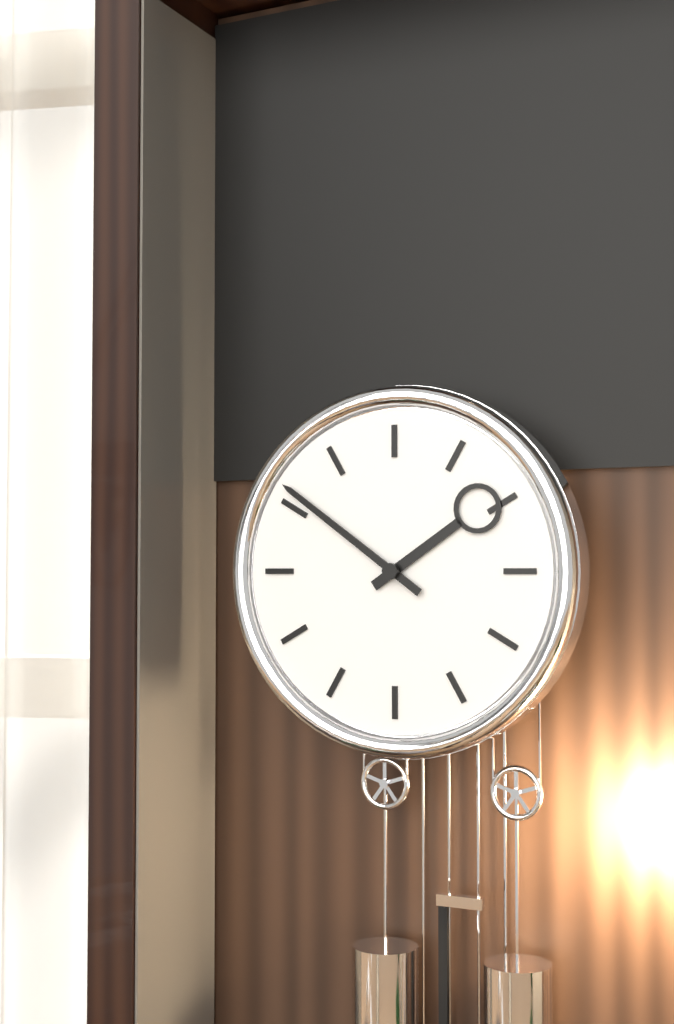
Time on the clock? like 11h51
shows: 1h51
